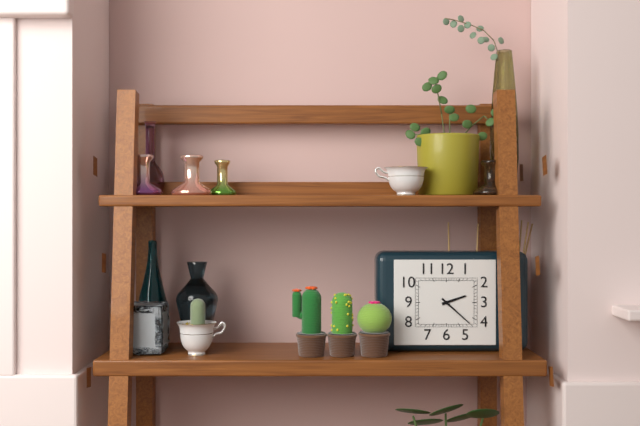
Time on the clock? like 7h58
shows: 2h22
